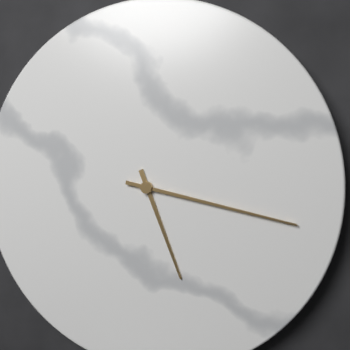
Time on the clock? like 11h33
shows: 5h17
